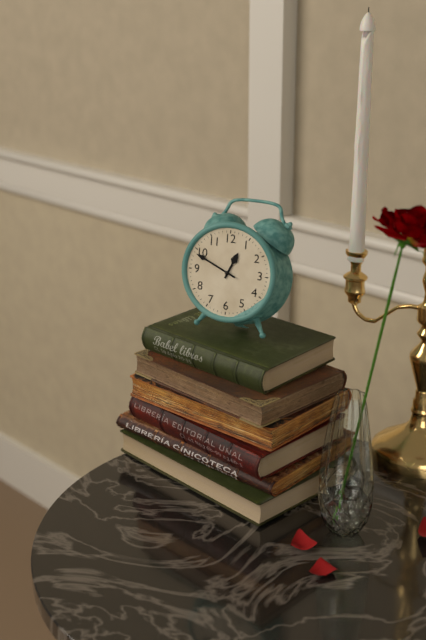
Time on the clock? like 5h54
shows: 12h49
